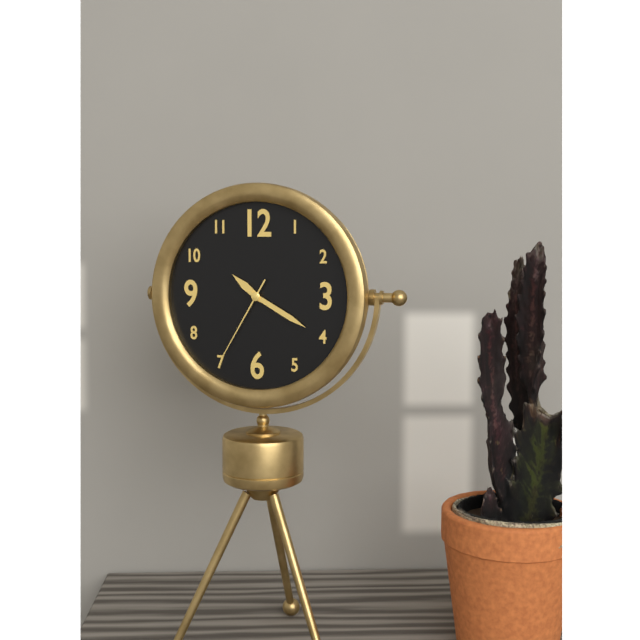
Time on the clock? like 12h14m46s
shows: 10h20m35s
